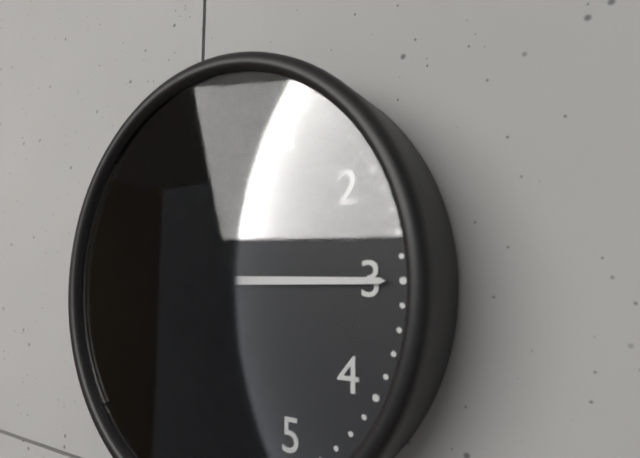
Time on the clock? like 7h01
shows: 12h15
